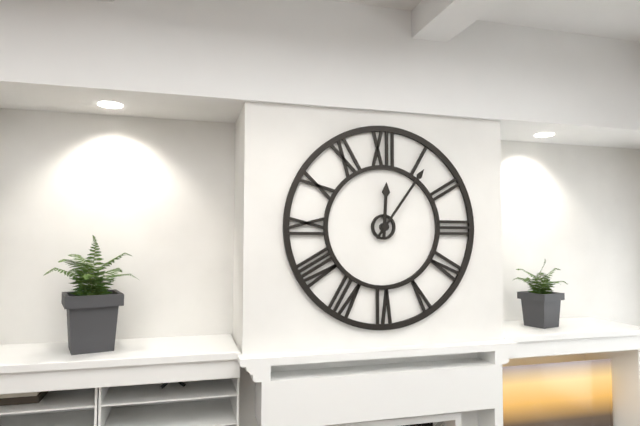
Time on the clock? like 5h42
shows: 12h06
